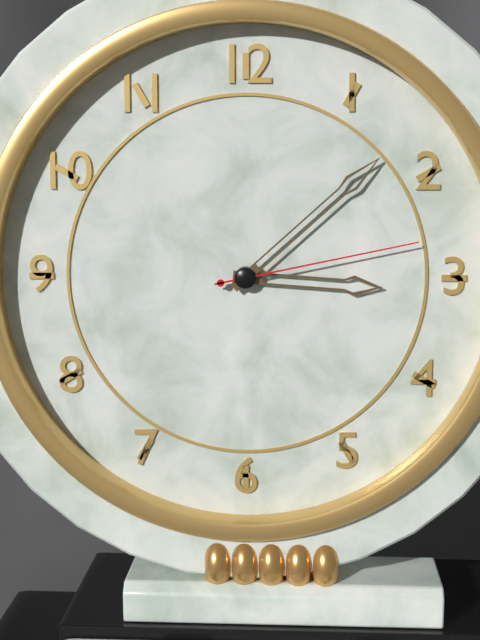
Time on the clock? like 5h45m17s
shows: 3h08m13s
